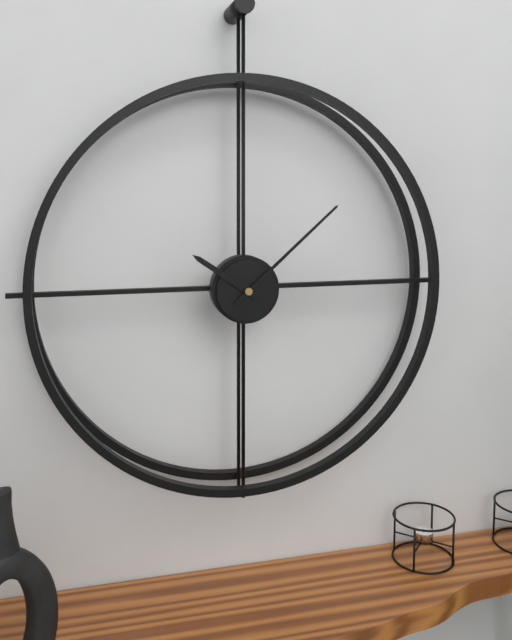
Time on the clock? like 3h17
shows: 10h08
